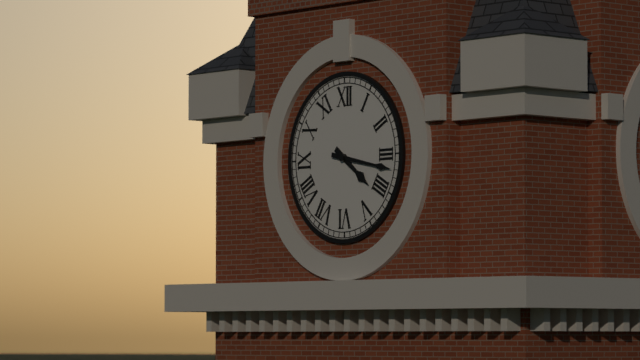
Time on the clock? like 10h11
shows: 4h17
